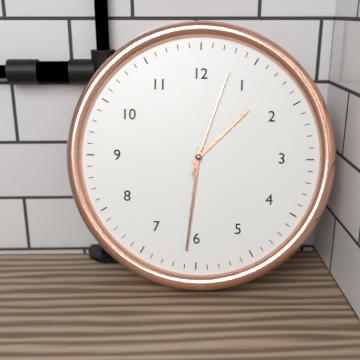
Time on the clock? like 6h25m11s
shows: 1h31m03s
